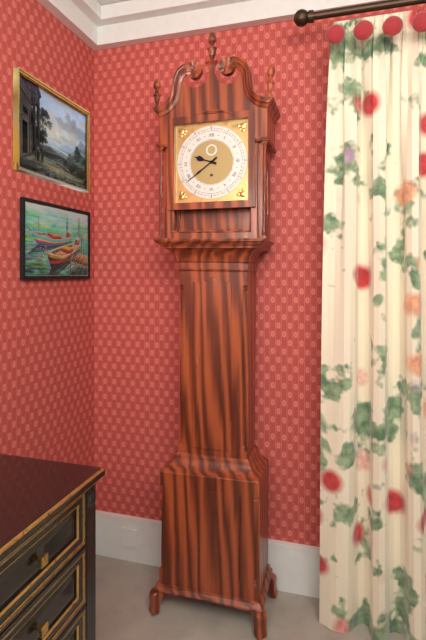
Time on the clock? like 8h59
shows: 9h39
